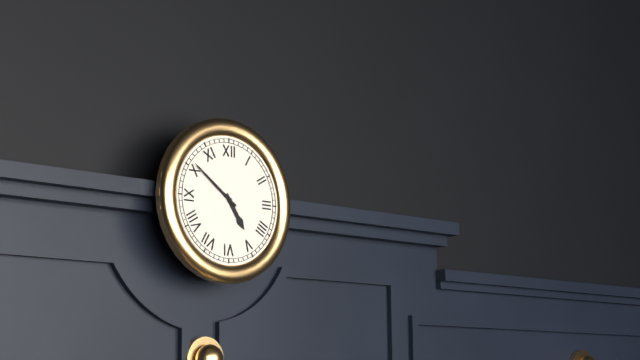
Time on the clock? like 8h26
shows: 4h51
